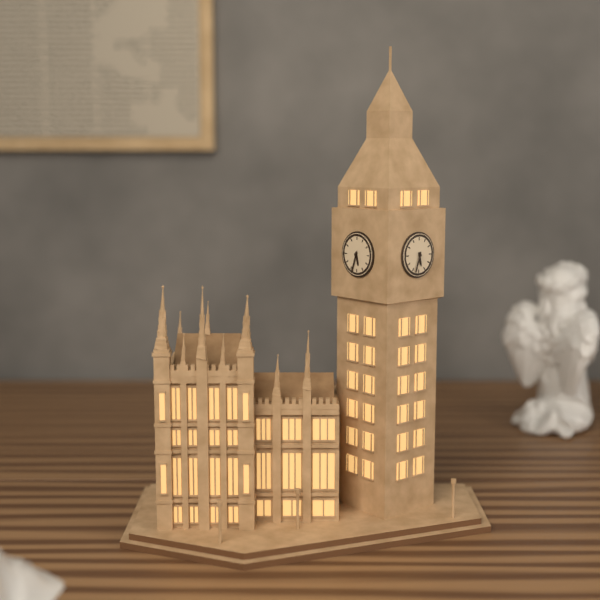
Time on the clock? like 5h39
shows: 5h33
